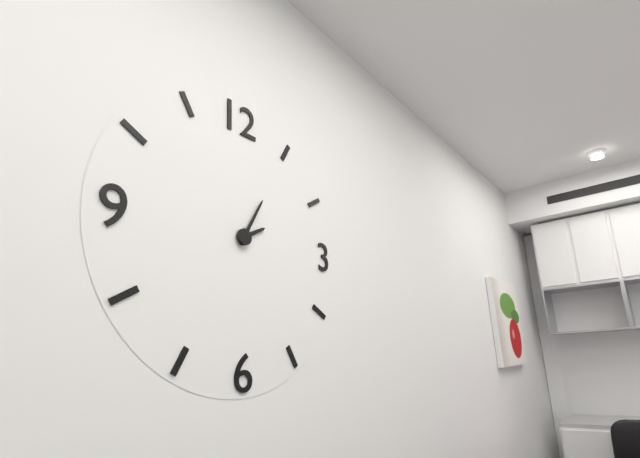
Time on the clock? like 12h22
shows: 2h05
